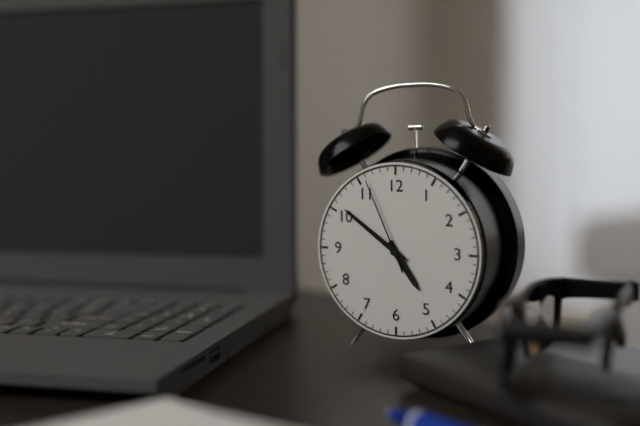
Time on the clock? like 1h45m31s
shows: 4h51m56s
